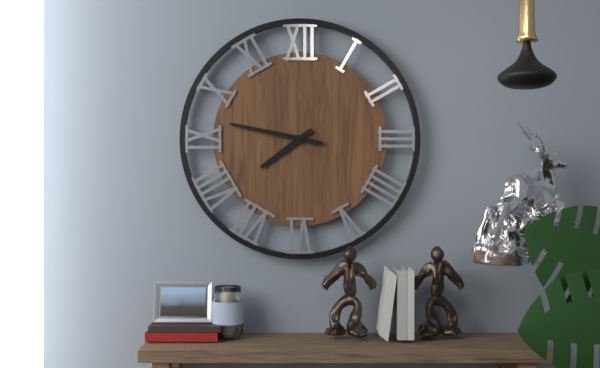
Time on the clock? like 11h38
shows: 7h47
